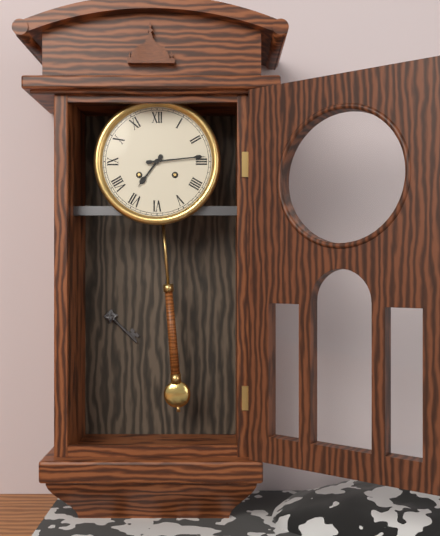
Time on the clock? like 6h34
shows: 7h14
